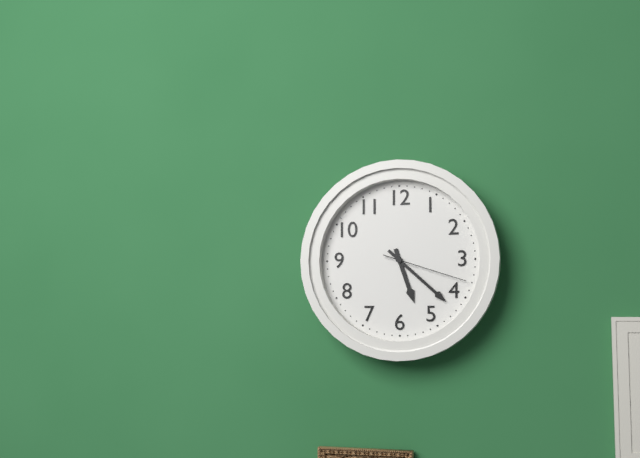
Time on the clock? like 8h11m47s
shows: 5h22m18s
